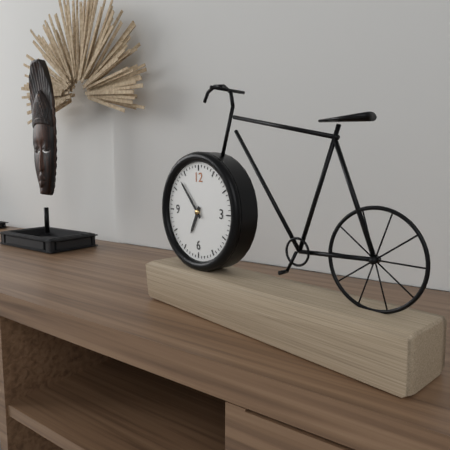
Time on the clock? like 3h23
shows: 6h53
